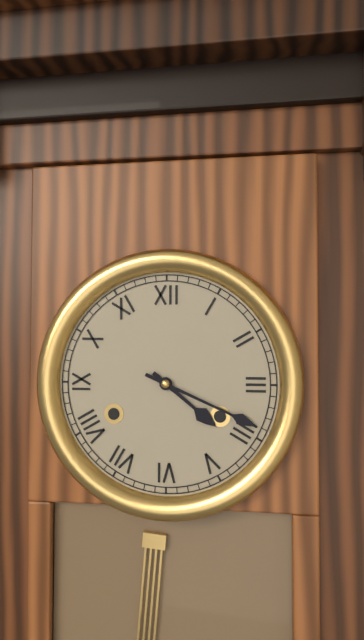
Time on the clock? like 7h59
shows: 4h19
